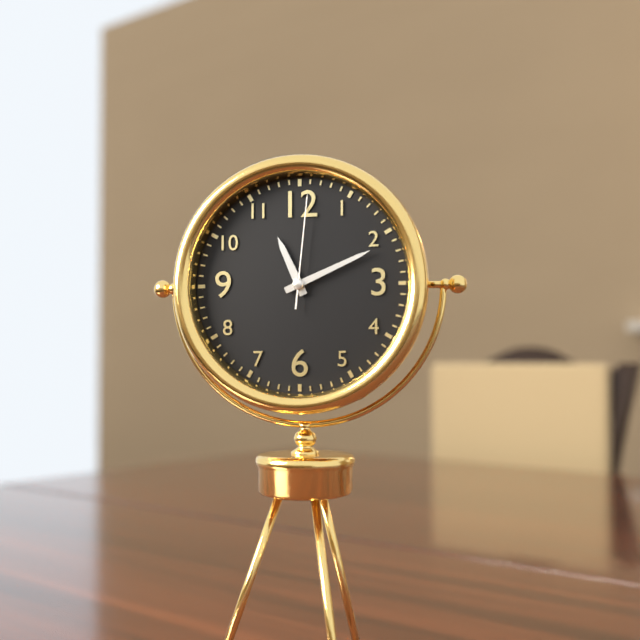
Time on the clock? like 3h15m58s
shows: 11h11m01s
